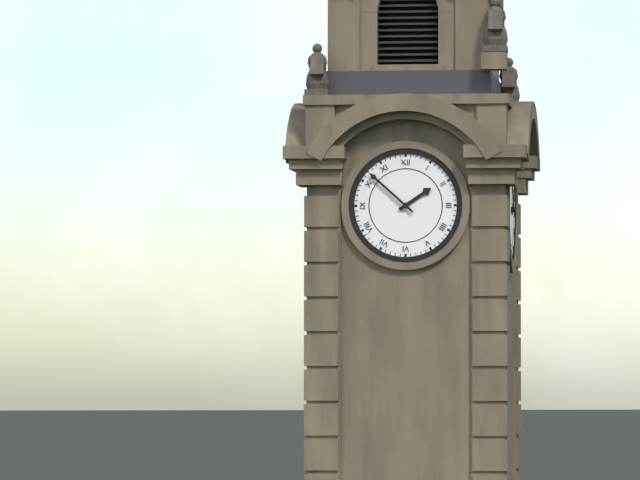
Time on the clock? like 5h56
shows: 1h52
